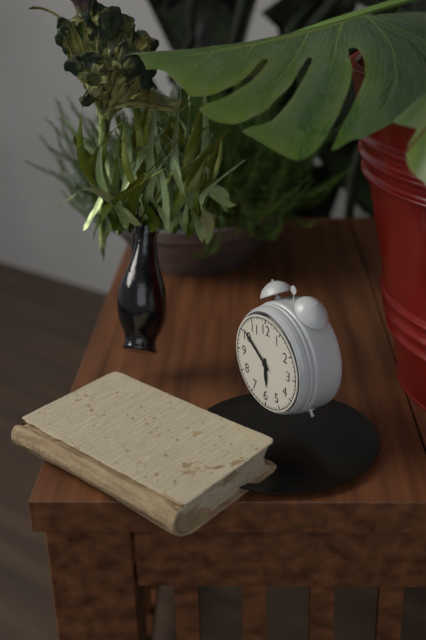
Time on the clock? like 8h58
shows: 5h51
